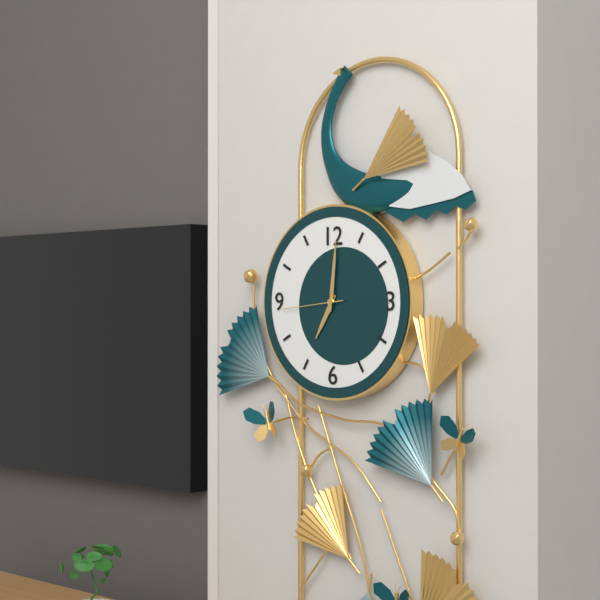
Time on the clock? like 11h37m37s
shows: 7h01m44s
